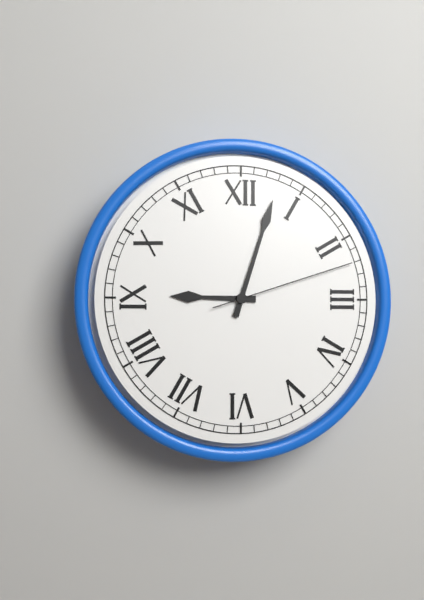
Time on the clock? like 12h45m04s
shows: 9h03m12s
